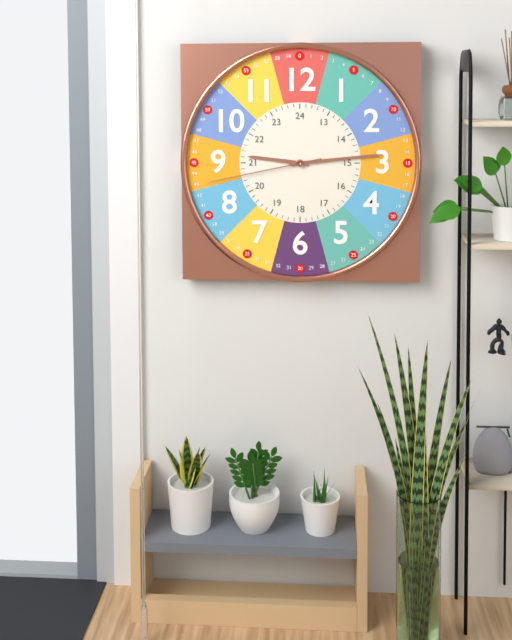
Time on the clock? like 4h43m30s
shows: 9h14m43s
